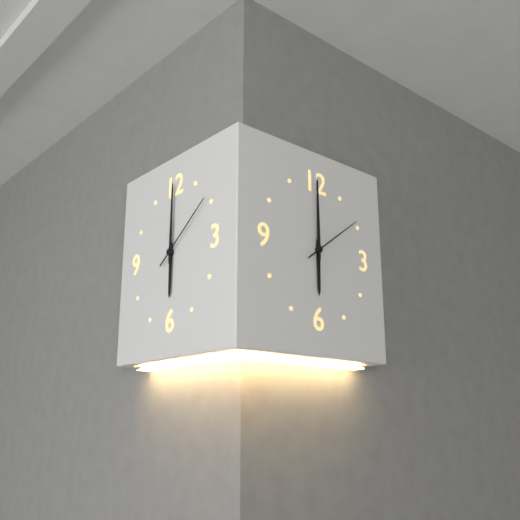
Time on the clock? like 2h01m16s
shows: 6h00m09s
